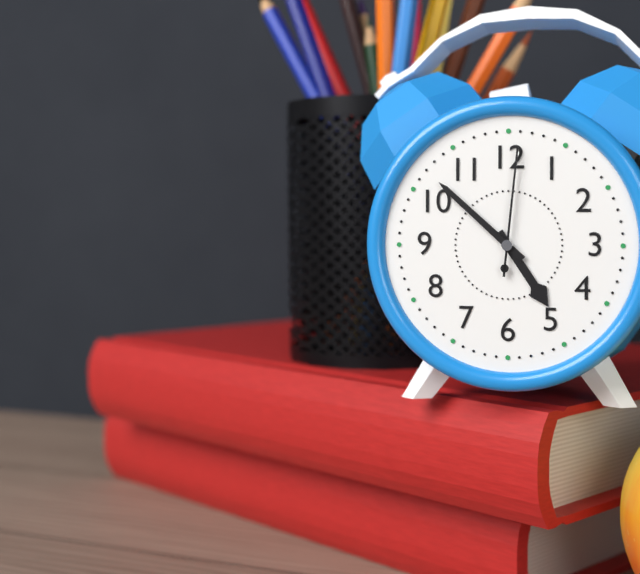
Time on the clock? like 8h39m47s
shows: 4h52m01s
